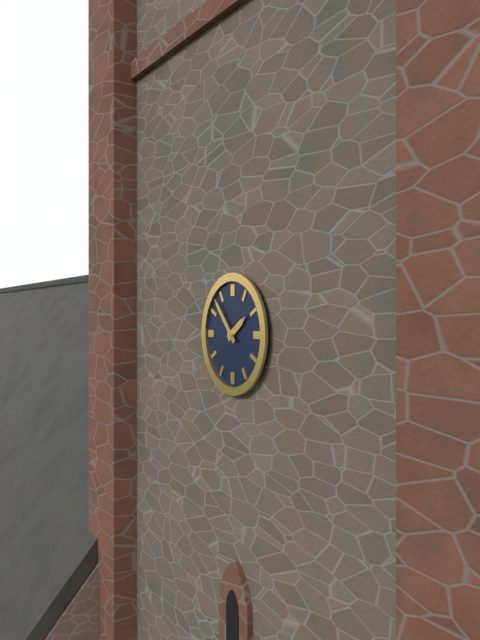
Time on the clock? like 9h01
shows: 1h53
